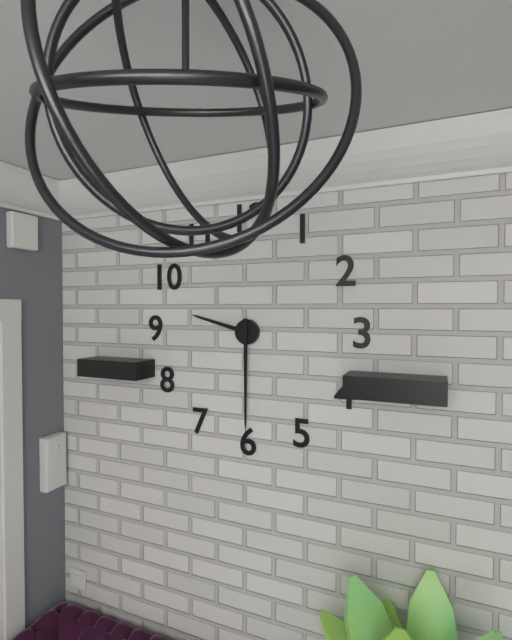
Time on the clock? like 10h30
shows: 9h30
